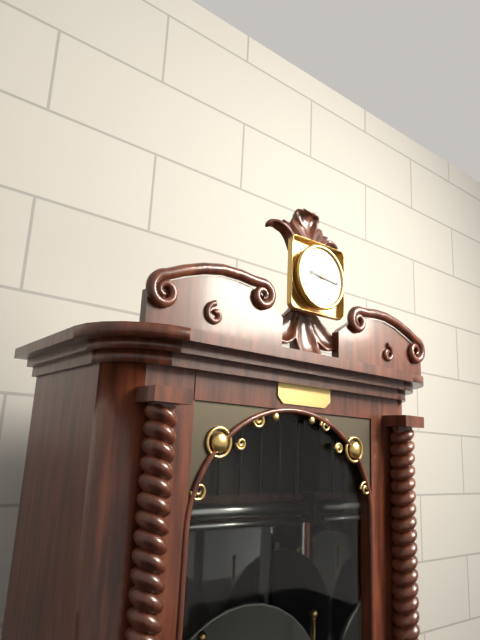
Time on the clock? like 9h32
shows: 9h16
